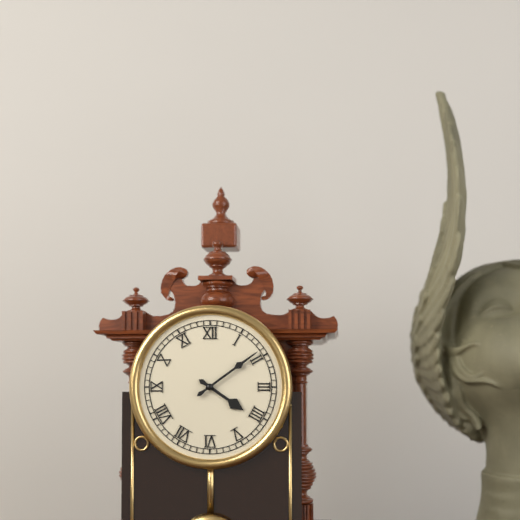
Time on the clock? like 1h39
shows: 4h09
